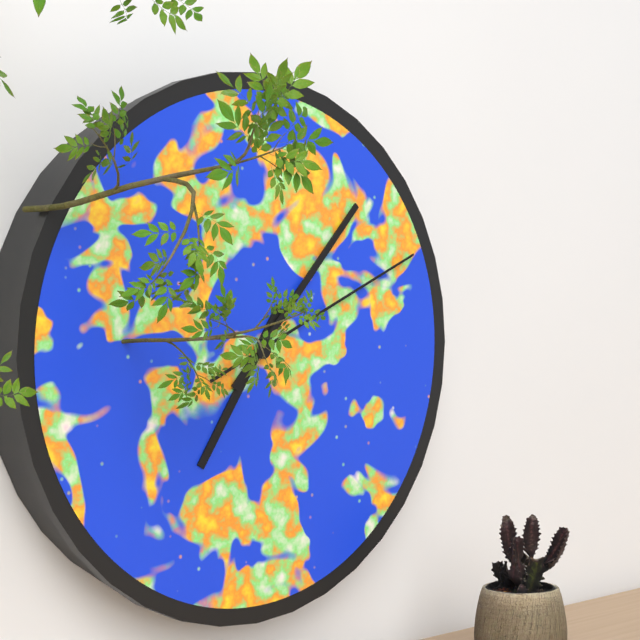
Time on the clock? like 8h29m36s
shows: 7h07m11s
